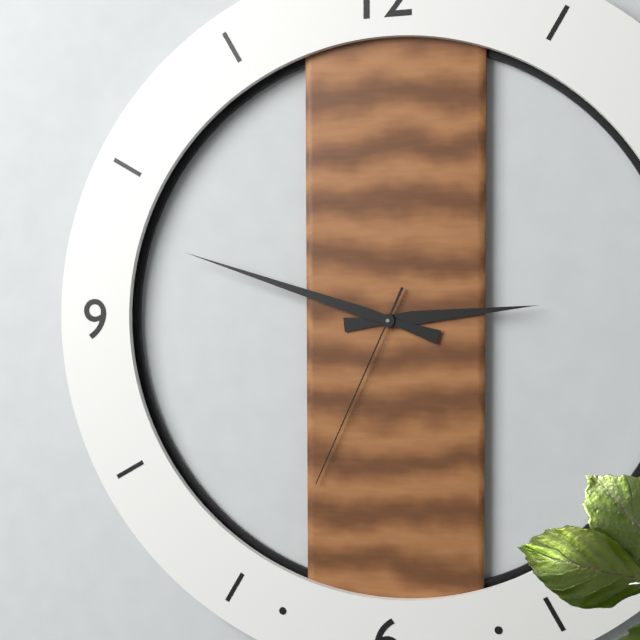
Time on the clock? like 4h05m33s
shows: 2h48m34s
